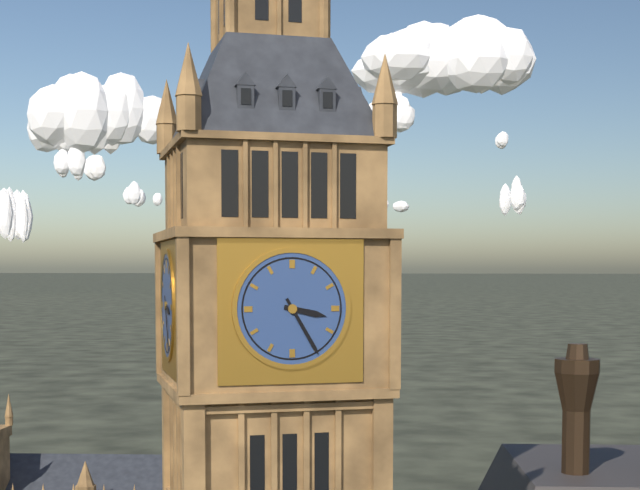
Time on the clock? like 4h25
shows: 3h25
